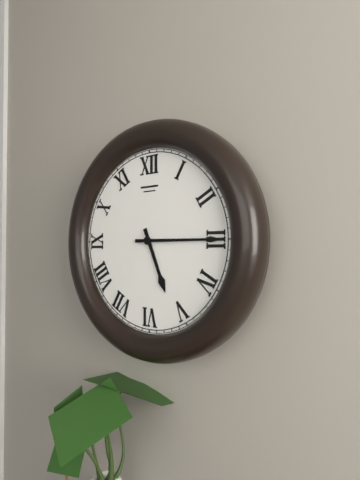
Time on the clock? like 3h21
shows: 5h15
